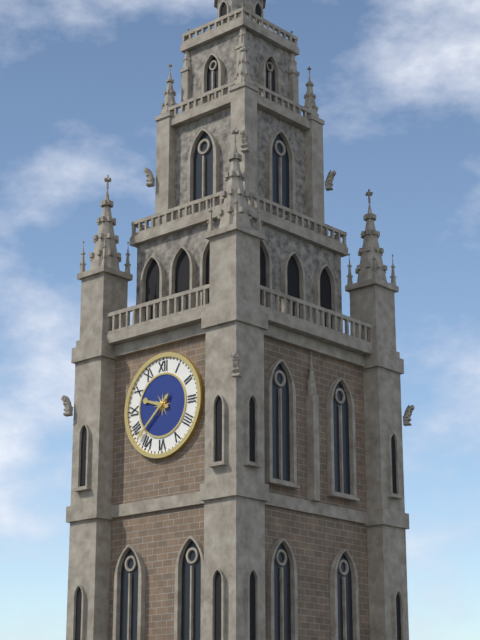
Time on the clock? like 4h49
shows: 9h38
